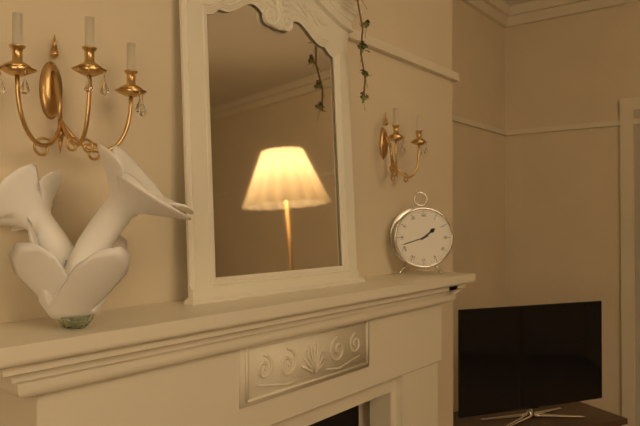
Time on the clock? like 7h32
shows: 1h42
